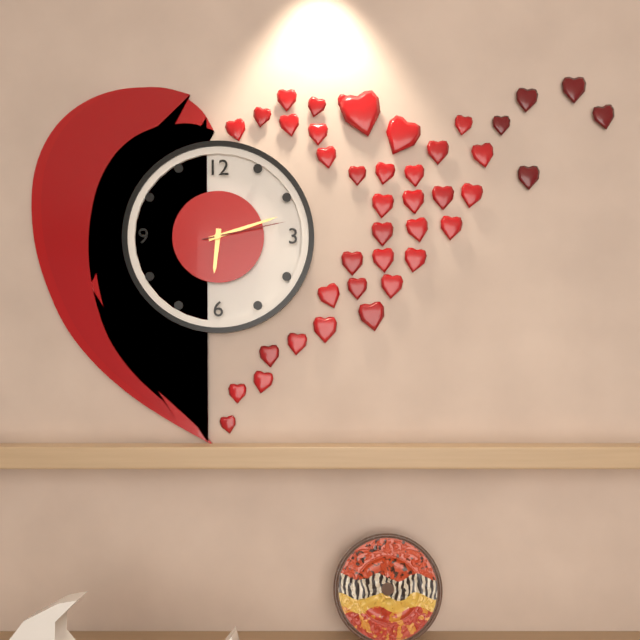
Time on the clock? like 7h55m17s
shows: 6h12m13s
